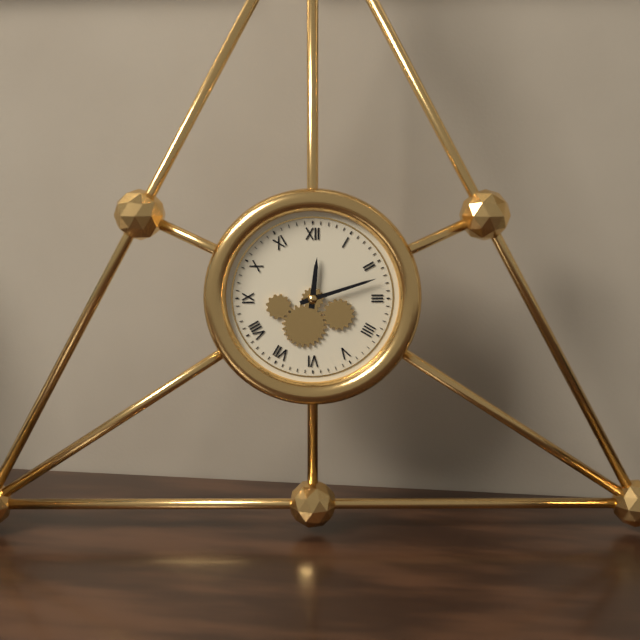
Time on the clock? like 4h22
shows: 12h12
